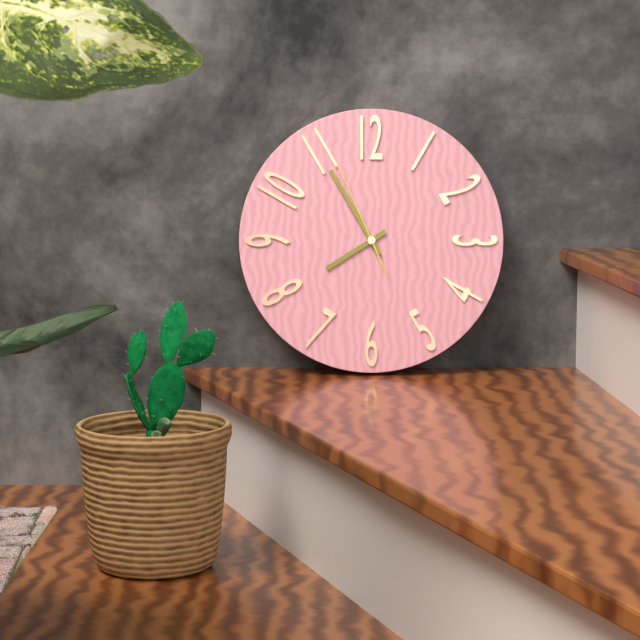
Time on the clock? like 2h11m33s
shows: 7h55m56s
